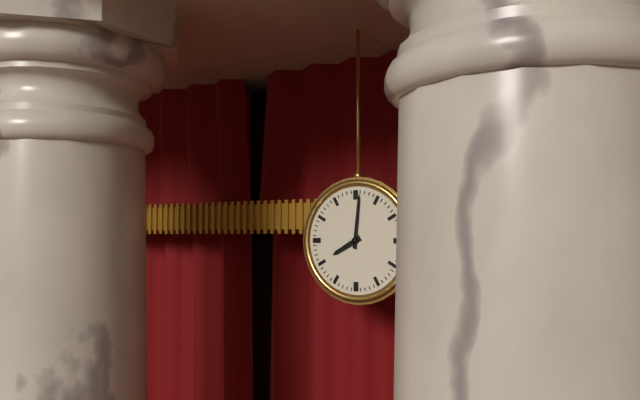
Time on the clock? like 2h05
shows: 8h01
